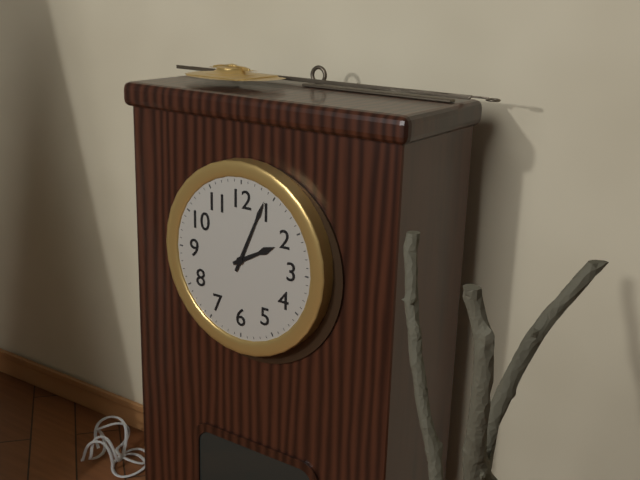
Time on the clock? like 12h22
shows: 2h04
